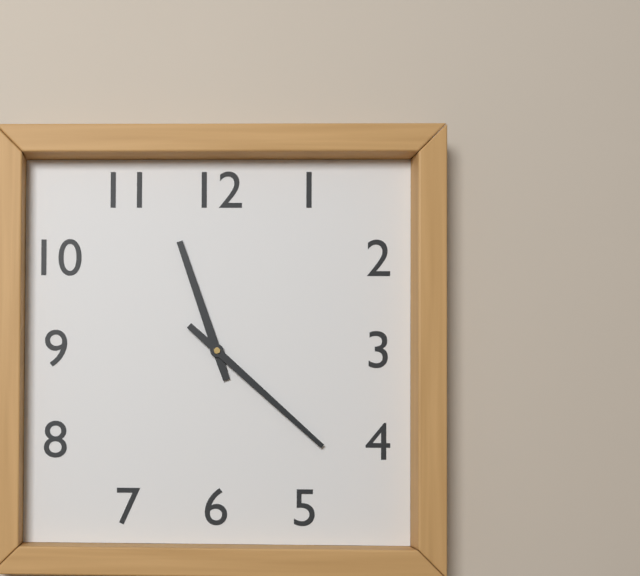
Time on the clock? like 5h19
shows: 11h22
